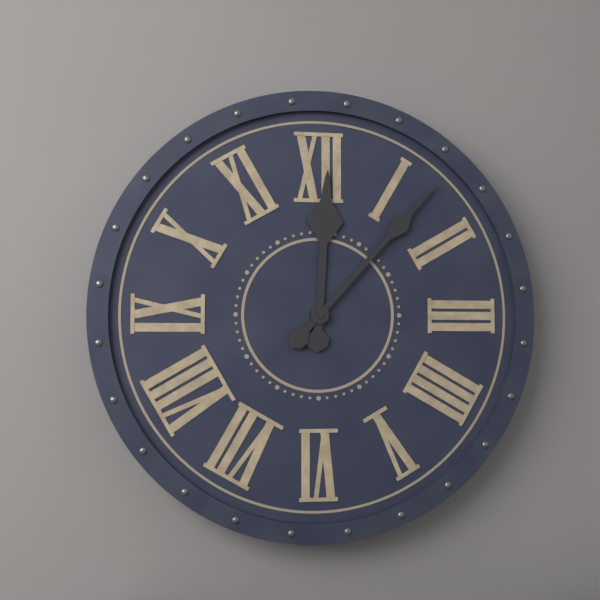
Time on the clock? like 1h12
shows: 12h07
